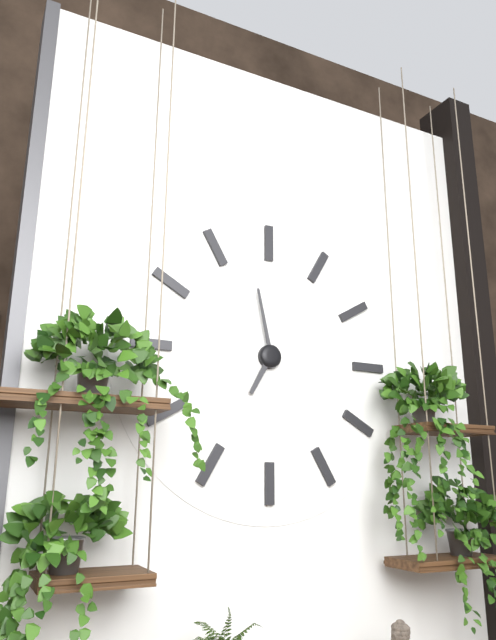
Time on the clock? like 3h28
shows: 6h58
